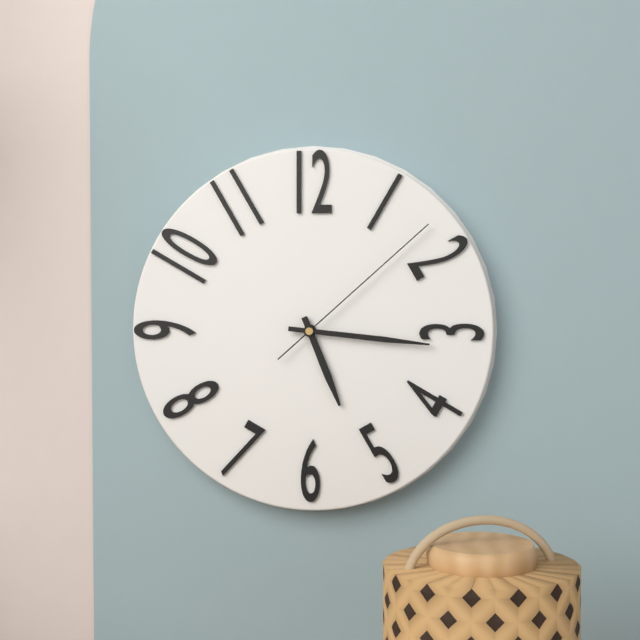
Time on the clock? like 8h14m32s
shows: 5h16m08s
